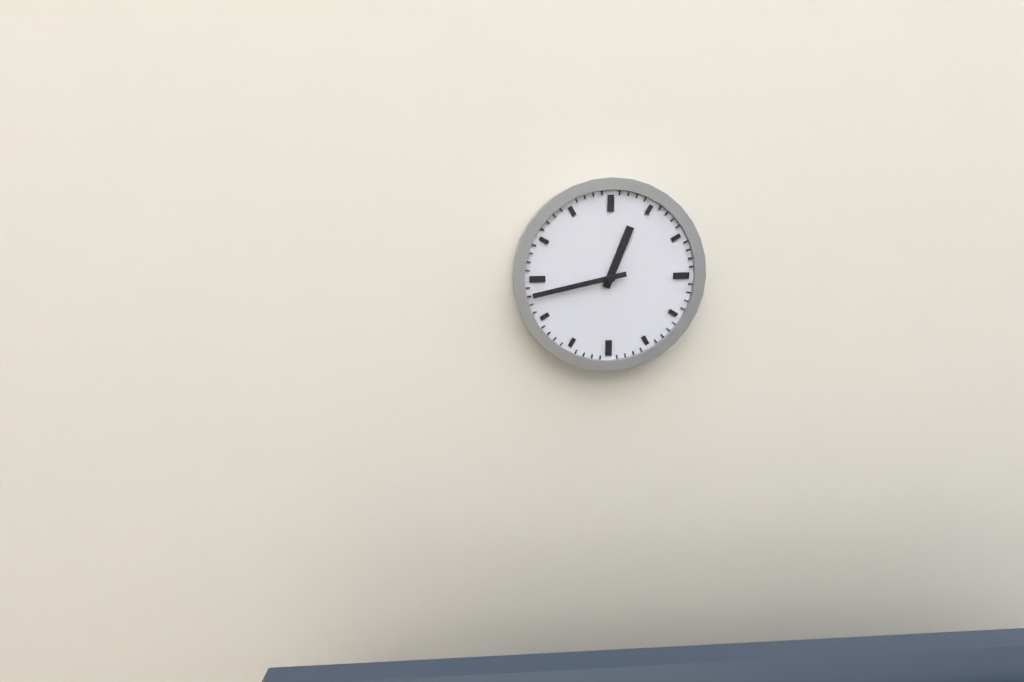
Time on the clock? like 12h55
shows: 12h43
